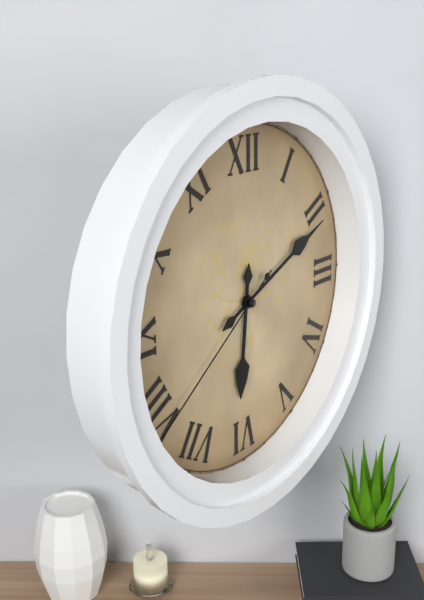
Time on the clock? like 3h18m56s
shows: 6h11m39s
